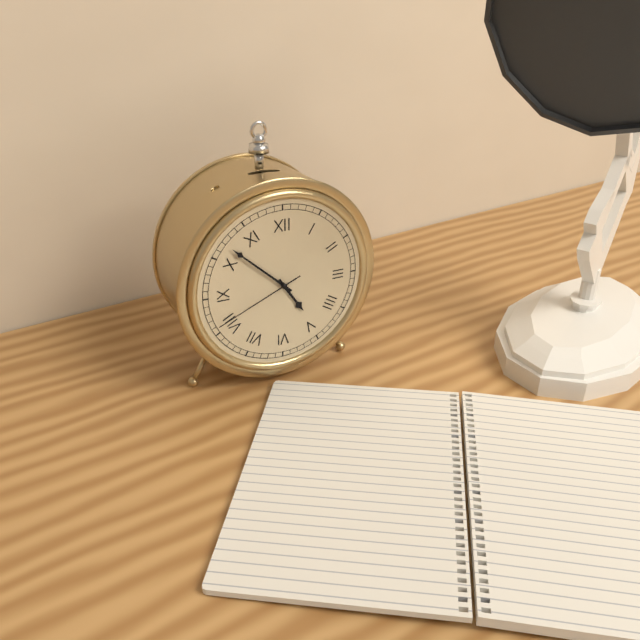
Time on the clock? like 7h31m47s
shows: 4h52m41s
